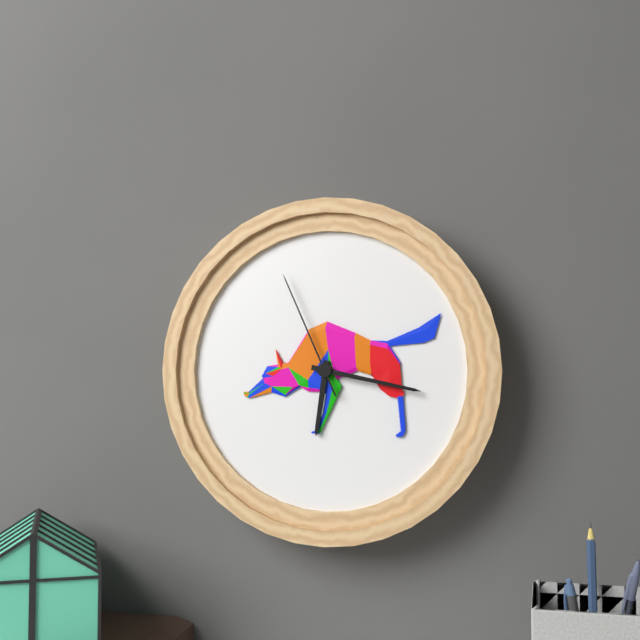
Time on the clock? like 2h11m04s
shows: 6h17m56s
